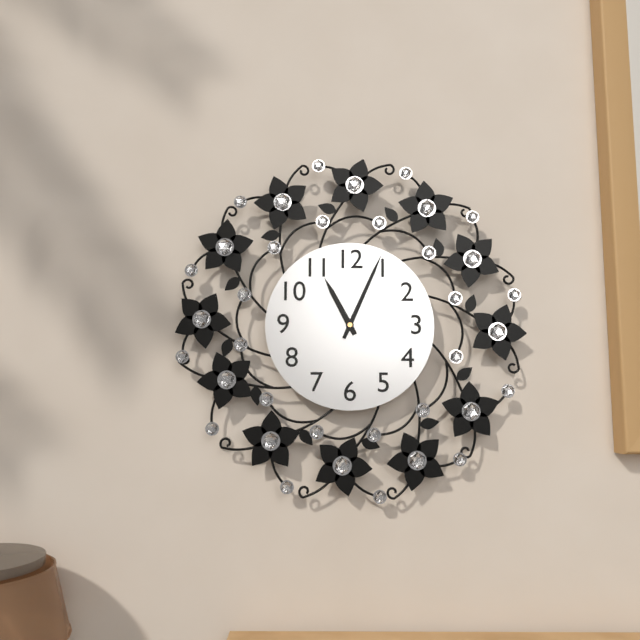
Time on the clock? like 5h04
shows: 11h04
